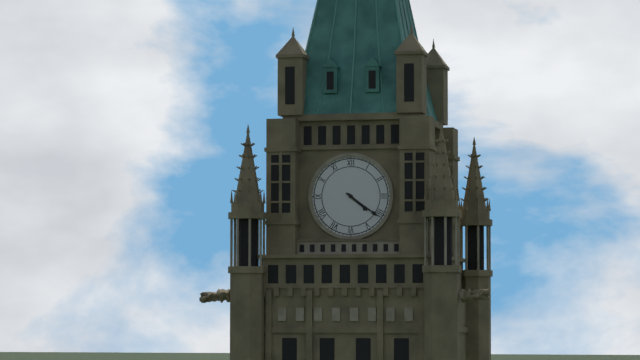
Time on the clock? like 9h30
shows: 4h21
